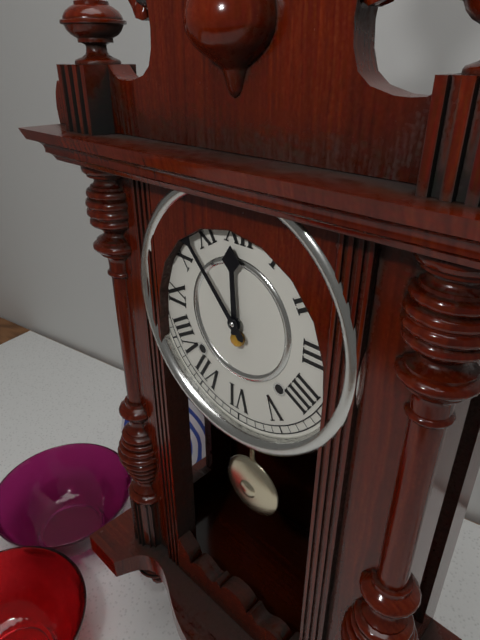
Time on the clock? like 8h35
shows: 11h53
